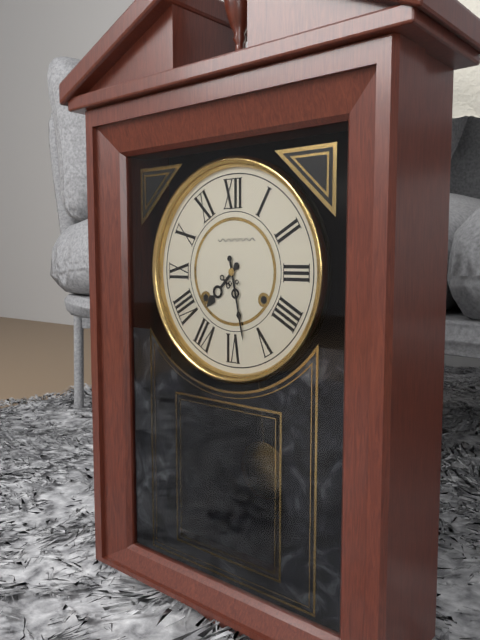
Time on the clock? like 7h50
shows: 7h28
